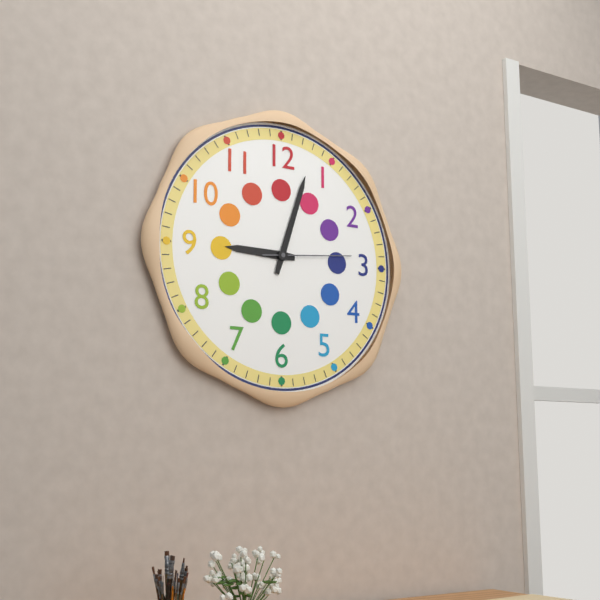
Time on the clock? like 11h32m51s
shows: 9h03m14s
